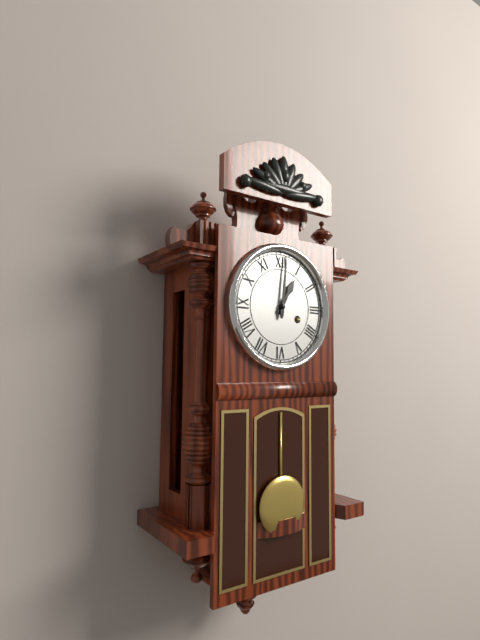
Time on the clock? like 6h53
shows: 1h01
